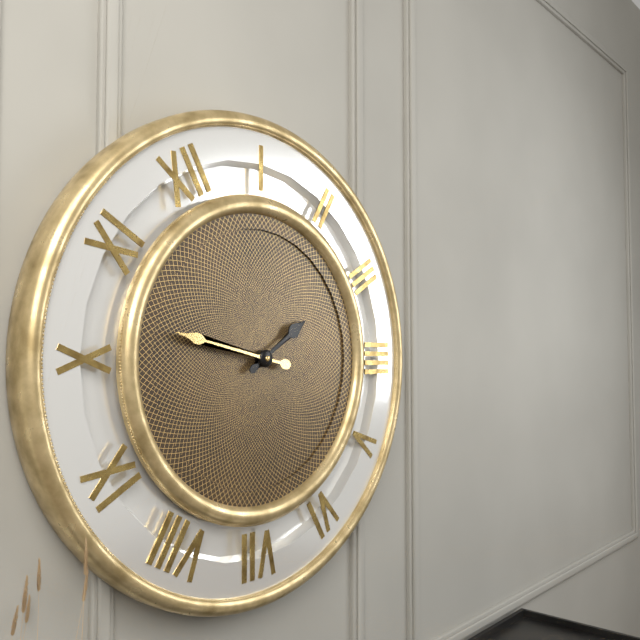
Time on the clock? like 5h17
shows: 2h52
